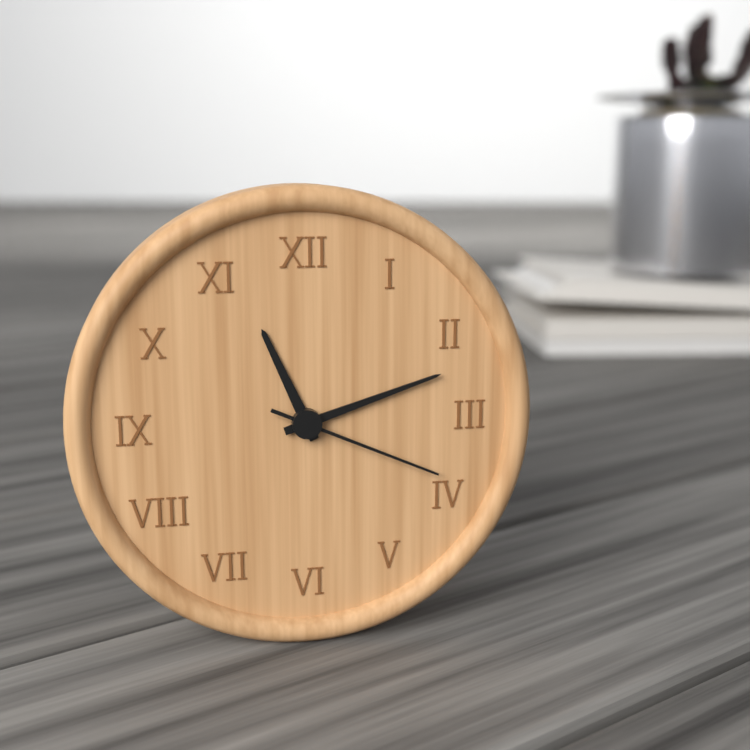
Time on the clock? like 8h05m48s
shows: 11h12m19s
